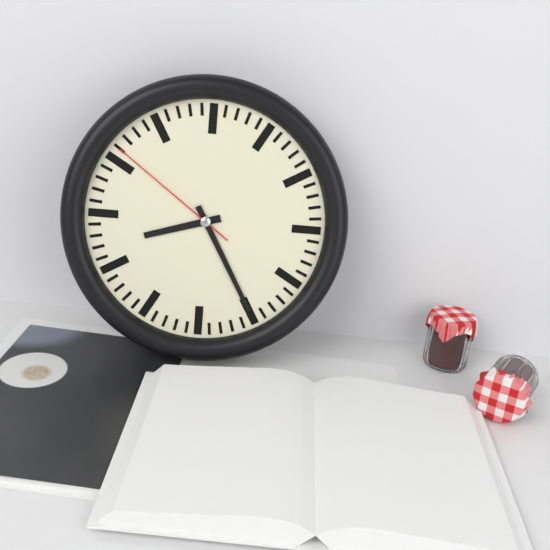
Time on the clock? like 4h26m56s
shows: 8h25m51s
